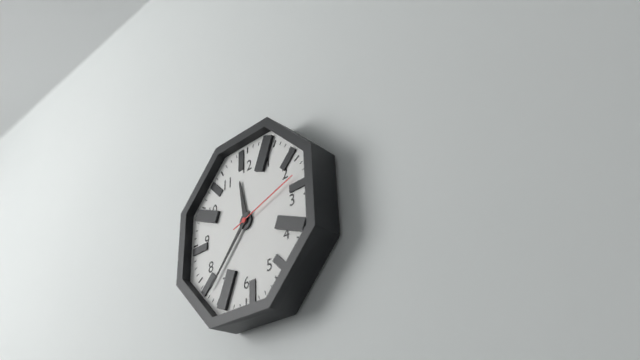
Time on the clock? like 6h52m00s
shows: 11h37m12s
